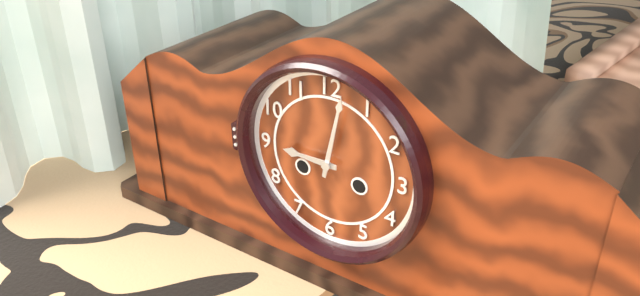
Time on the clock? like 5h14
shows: 9h02
